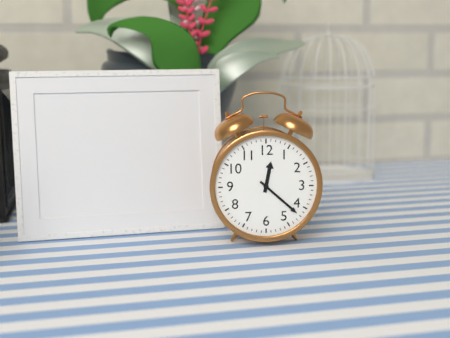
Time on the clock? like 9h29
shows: 12h22
